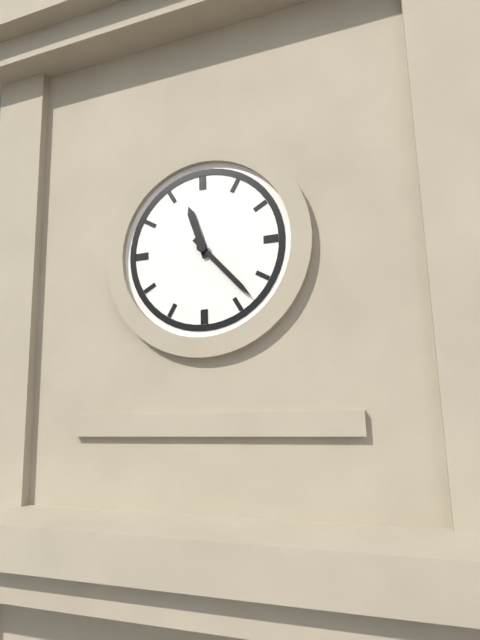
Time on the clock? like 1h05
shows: 11h23
